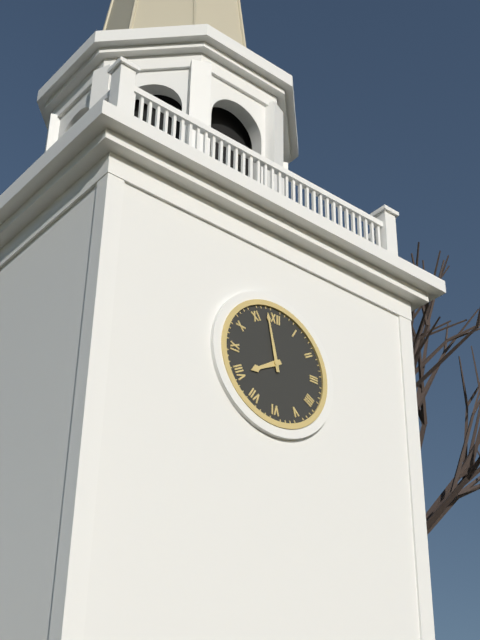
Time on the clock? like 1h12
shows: 7h58
